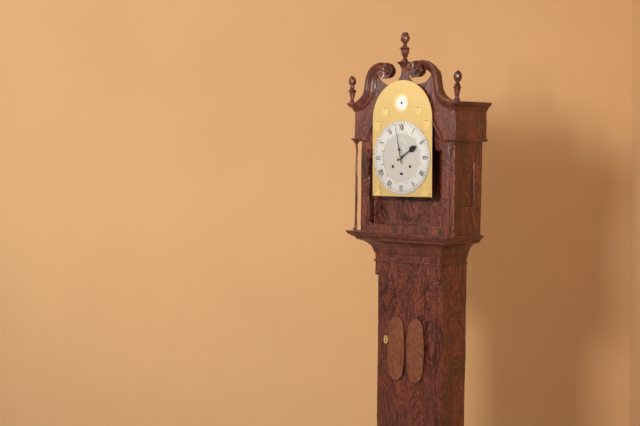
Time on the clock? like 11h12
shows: 1h58
